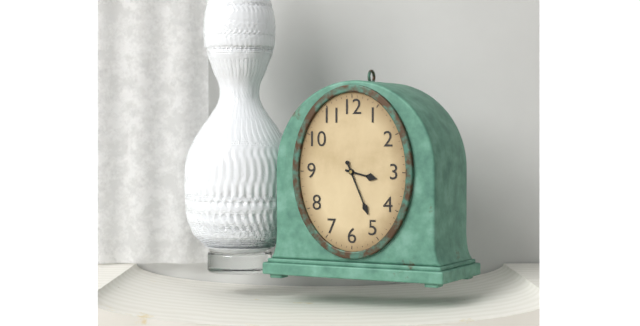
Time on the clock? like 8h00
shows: 3h26
